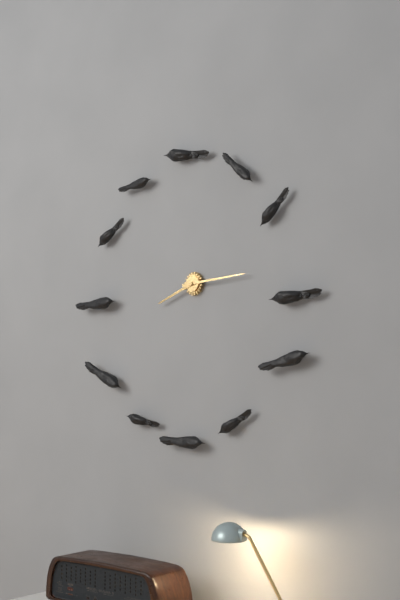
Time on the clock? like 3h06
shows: 8h14
